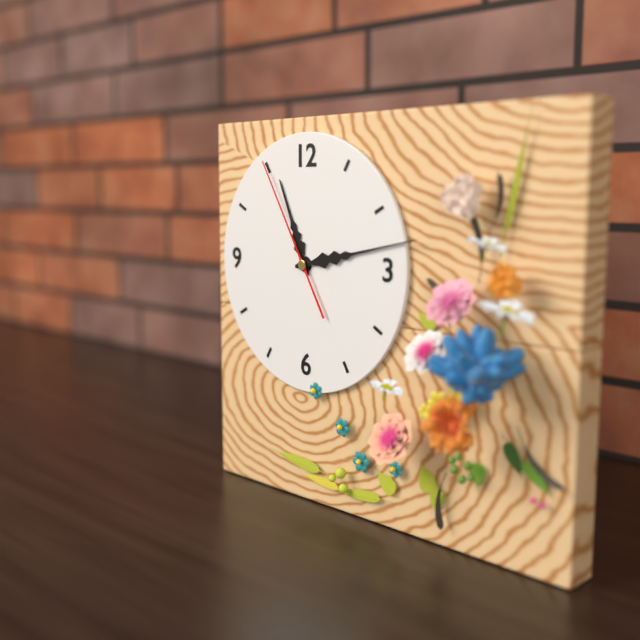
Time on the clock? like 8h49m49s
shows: 11h13m55s
